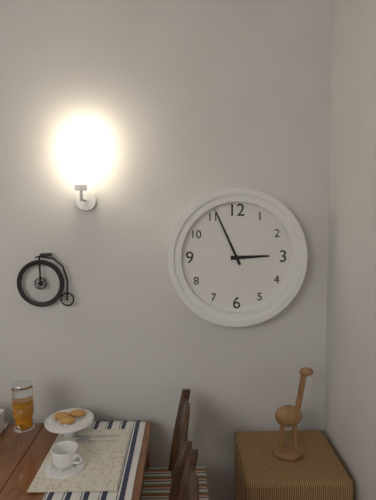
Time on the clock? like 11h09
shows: 2h56
